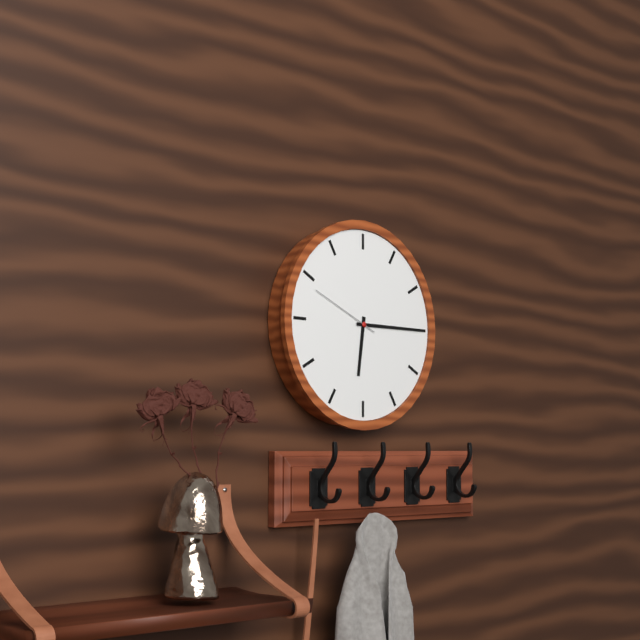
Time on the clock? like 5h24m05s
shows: 6h15m49s
